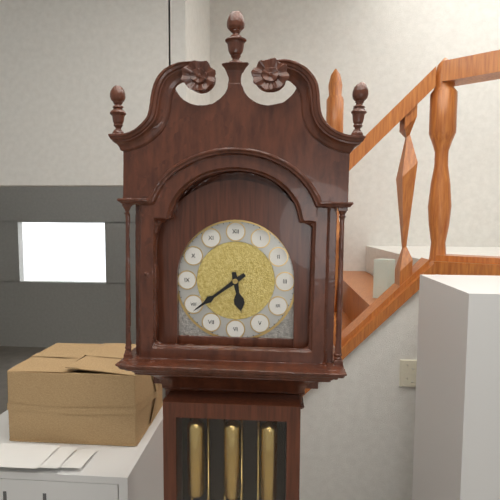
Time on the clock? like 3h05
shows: 5h39
